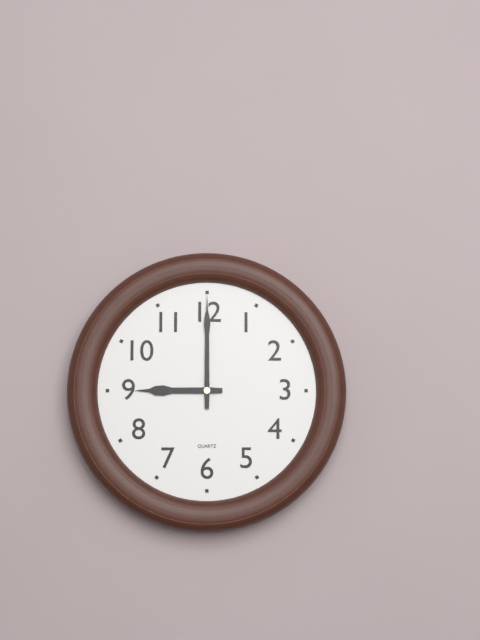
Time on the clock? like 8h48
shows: 9h00
